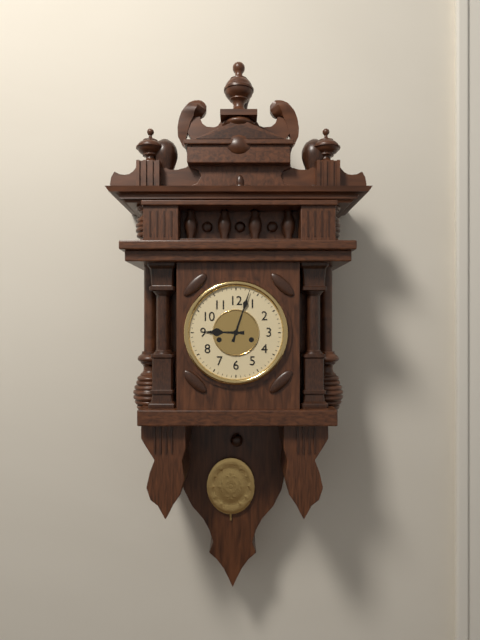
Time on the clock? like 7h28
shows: 9h03
